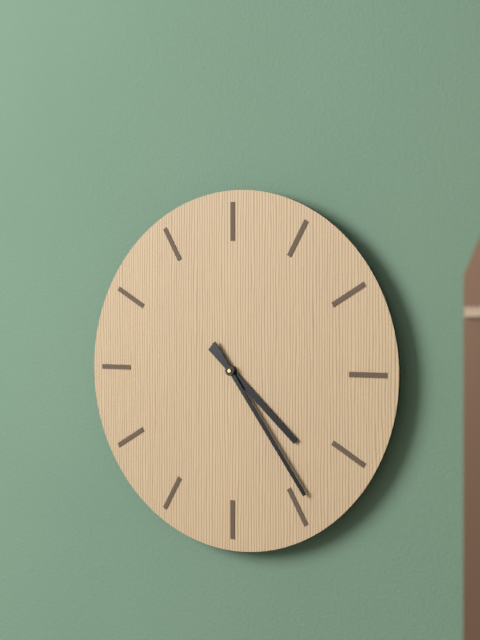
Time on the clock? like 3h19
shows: 4h24
